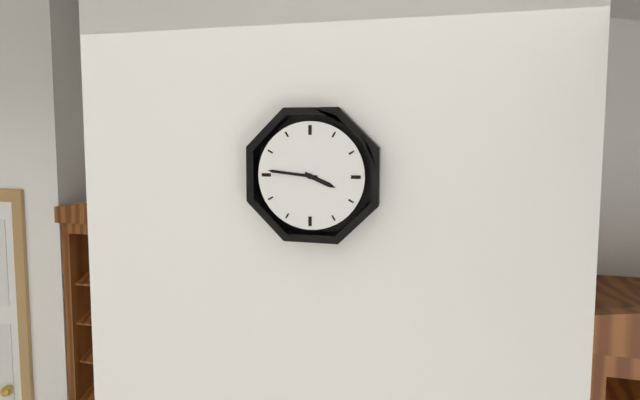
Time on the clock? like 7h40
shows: 3h46
